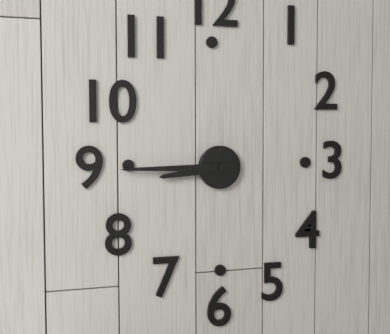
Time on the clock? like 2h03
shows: 8h45
